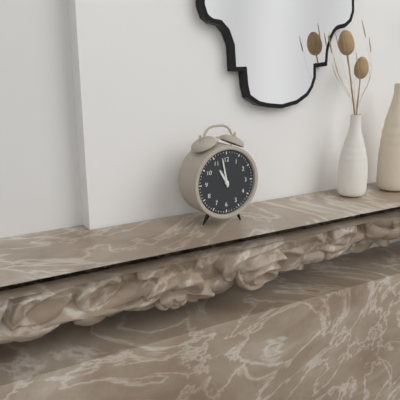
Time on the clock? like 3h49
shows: 10h58
